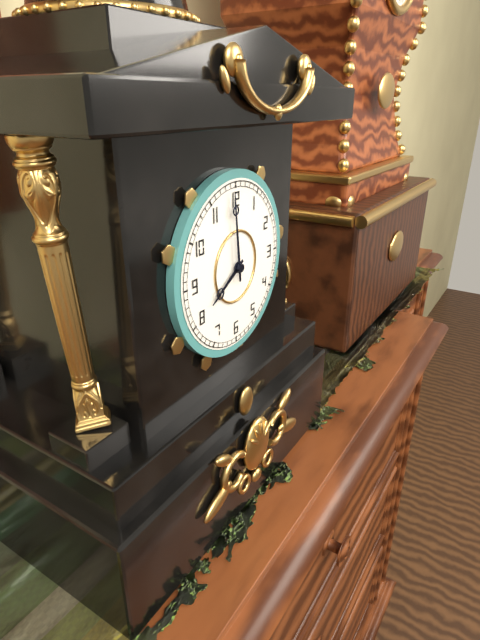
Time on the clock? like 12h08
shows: 7h59
